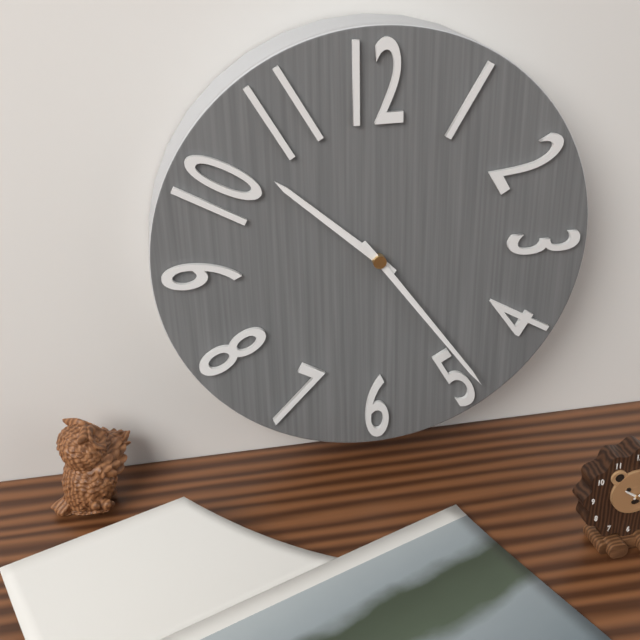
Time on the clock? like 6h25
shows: 10h24
